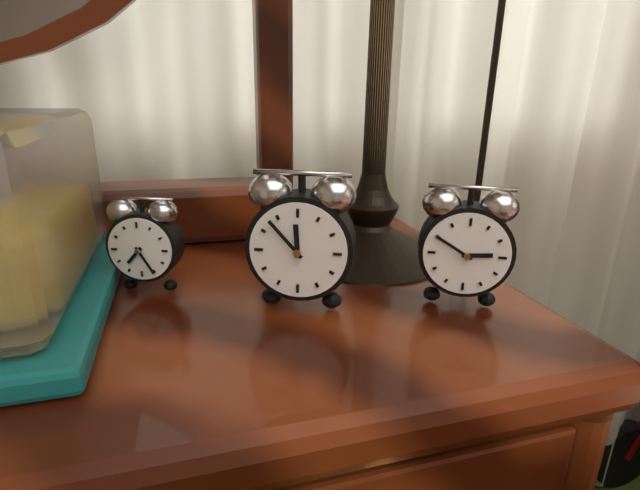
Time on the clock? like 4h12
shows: 11h53
